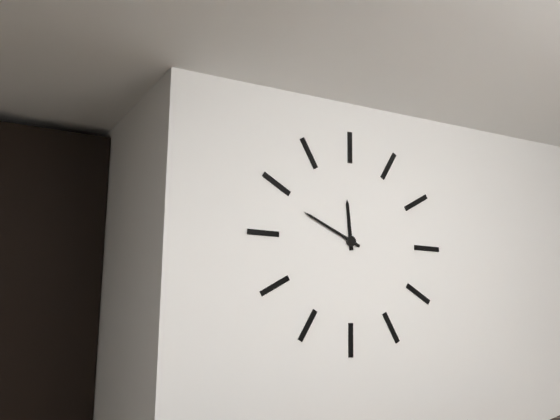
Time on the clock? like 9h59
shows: 11h49
